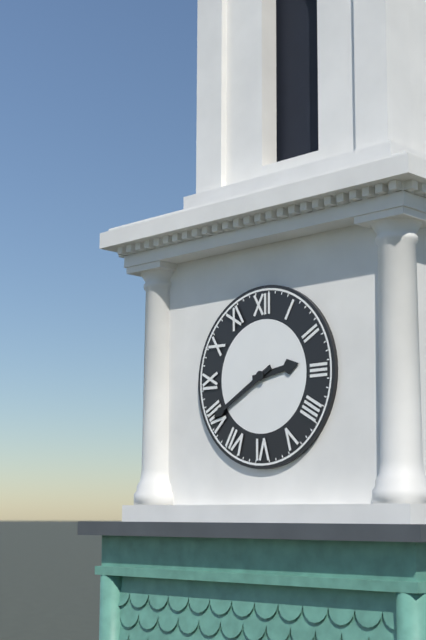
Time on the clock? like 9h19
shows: 2h40
